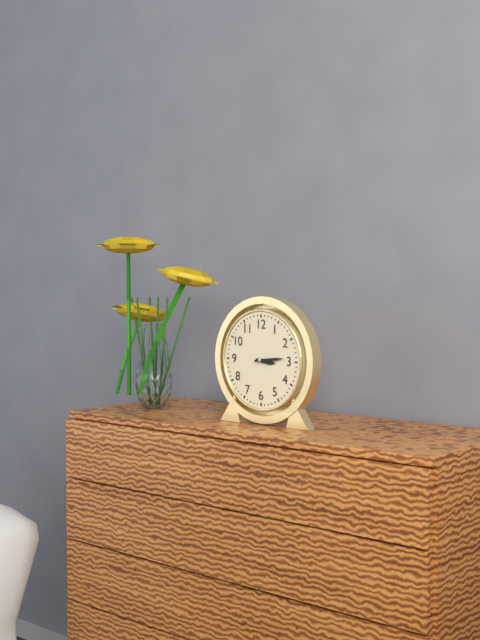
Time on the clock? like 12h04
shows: 3h14
